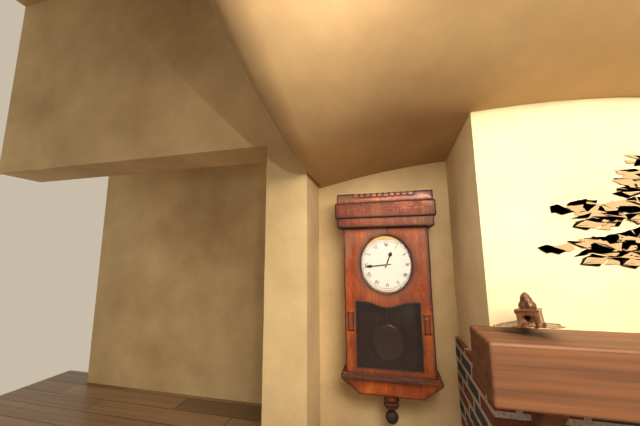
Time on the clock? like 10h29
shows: 12h44
